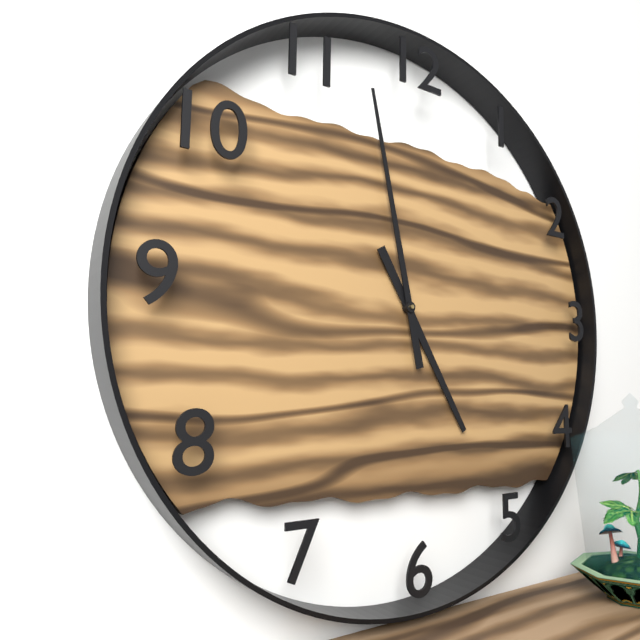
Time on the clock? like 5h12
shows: 4h58
